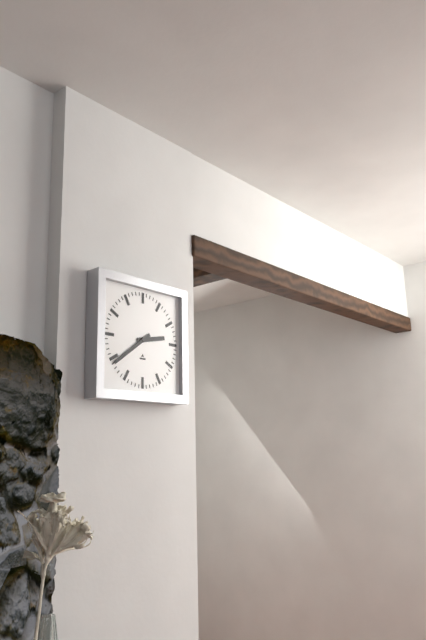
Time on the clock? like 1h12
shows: 2h39
